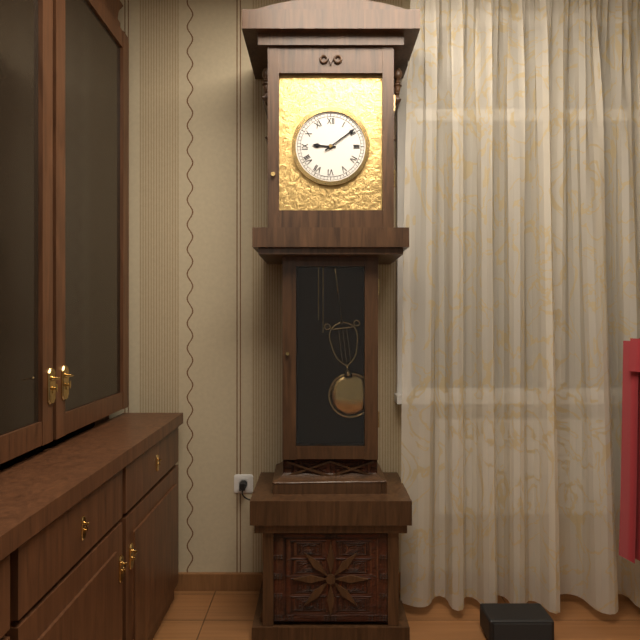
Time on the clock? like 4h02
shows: 9h09
